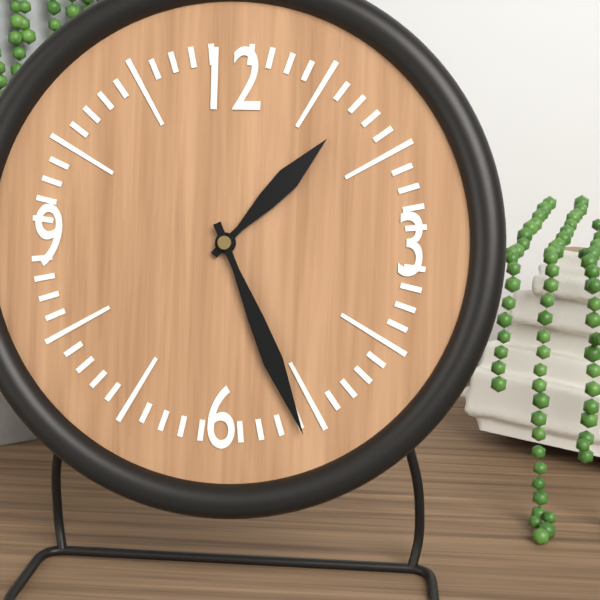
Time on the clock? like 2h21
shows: 1h26
